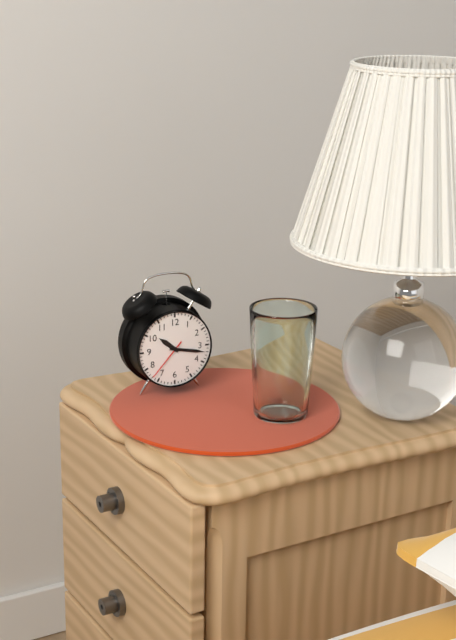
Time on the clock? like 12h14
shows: 10h17
